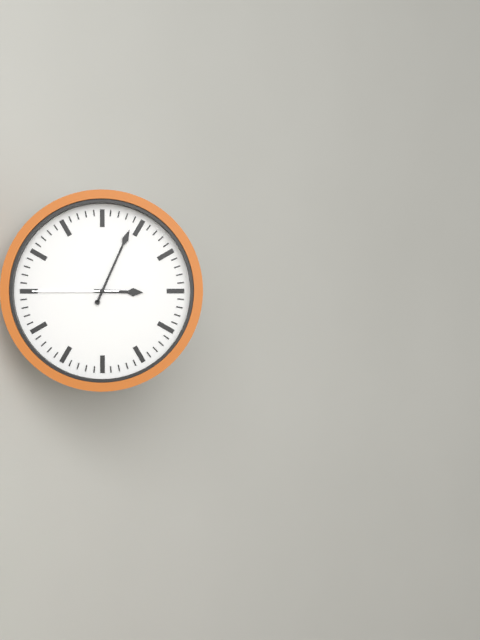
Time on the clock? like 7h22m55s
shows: 3h04m45s
